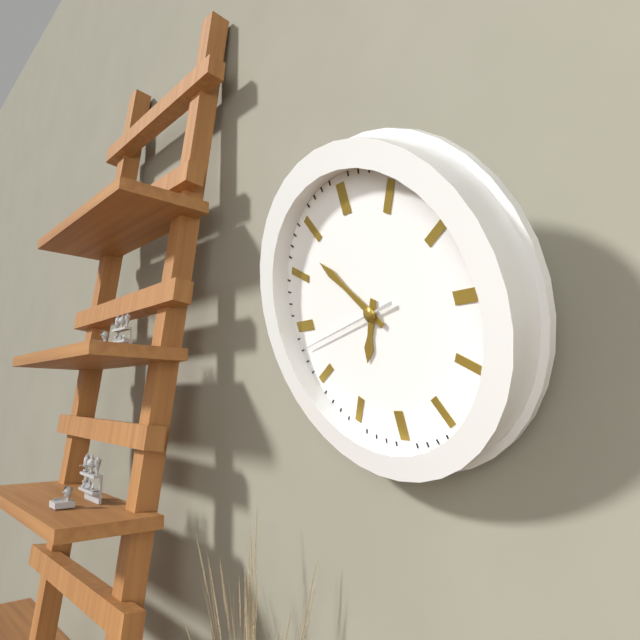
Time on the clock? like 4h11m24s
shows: 6h53m43s
